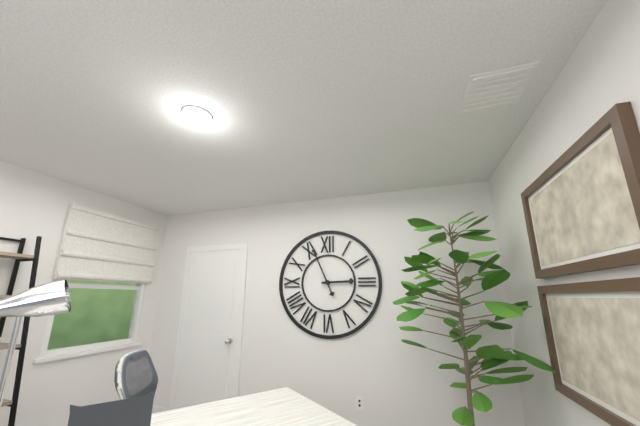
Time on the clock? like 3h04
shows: 2h56
